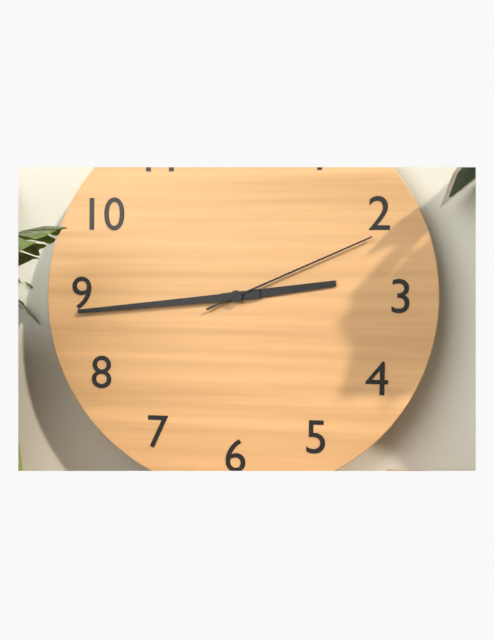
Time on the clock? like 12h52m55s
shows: 2h44m11s
